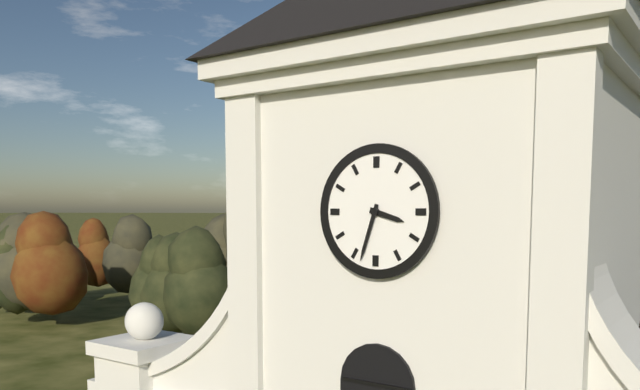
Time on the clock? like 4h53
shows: 3h33
